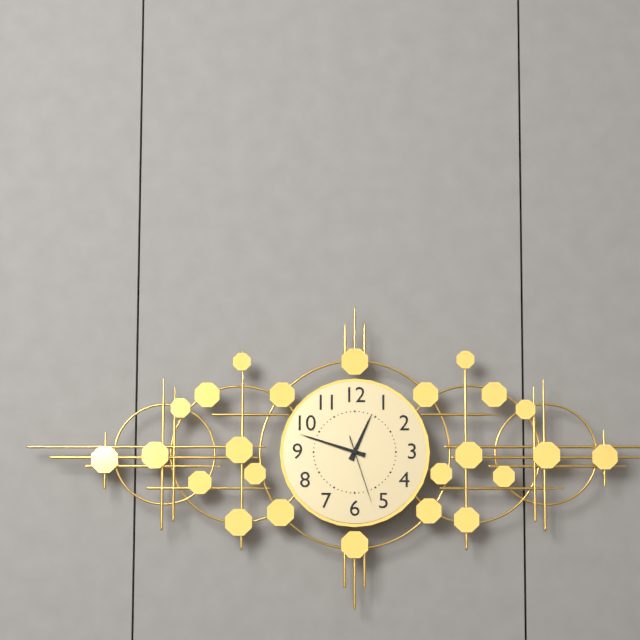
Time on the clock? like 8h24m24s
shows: 12h48m27s
